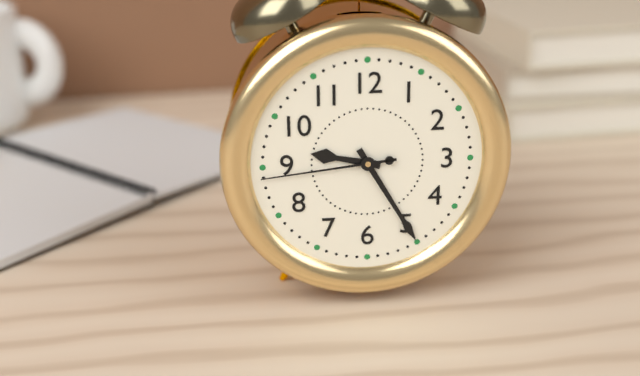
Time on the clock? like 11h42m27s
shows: 9h25m44s
